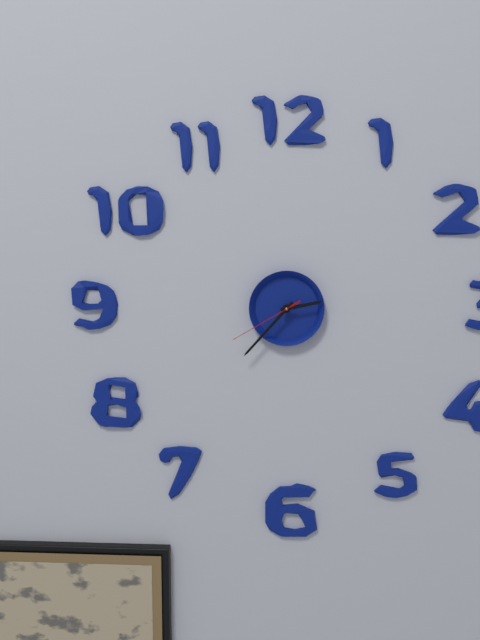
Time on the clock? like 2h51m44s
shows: 2h37m40s
